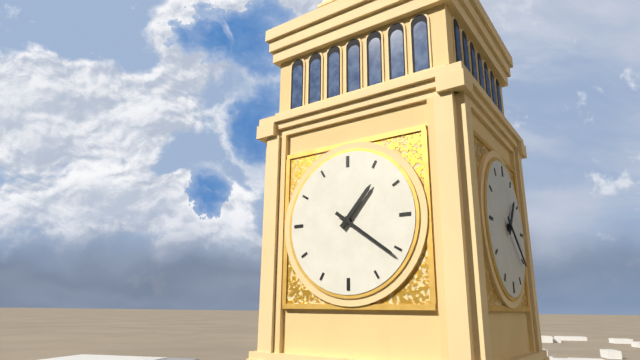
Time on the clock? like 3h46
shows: 1h21
